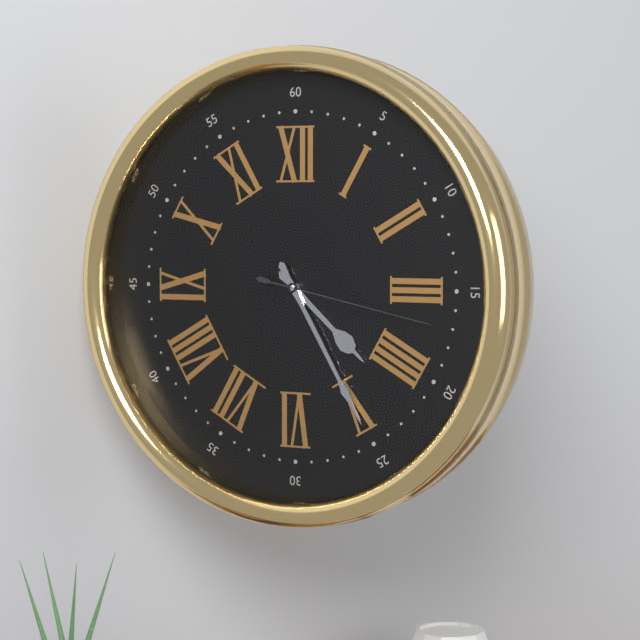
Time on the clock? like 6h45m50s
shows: 4h25m17s
